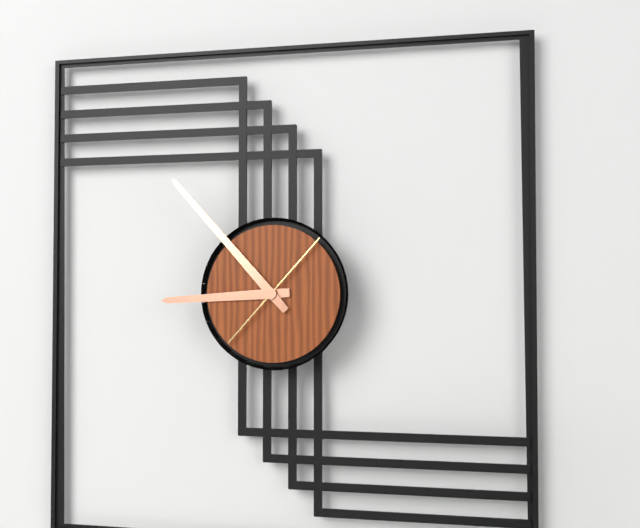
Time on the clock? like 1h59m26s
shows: 8h53m07s
